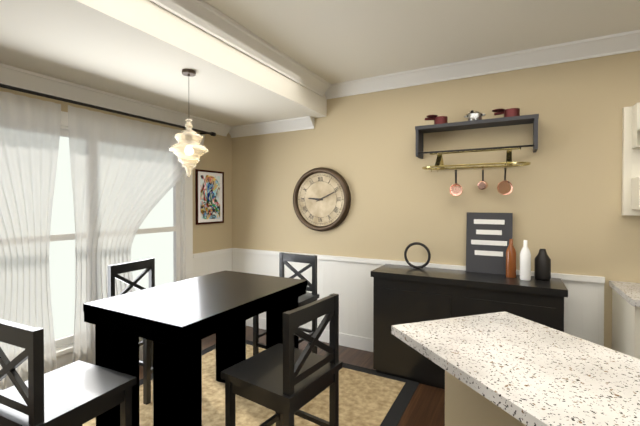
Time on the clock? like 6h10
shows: 9h11
